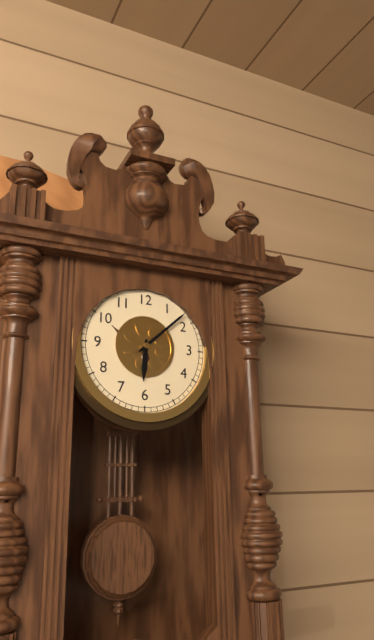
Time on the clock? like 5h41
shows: 6h08
